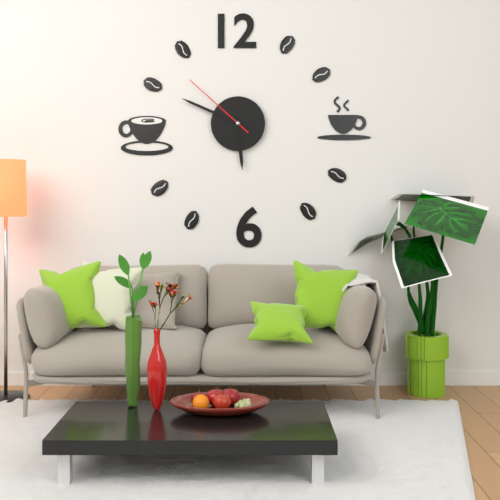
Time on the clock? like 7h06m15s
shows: 5h49m52s
